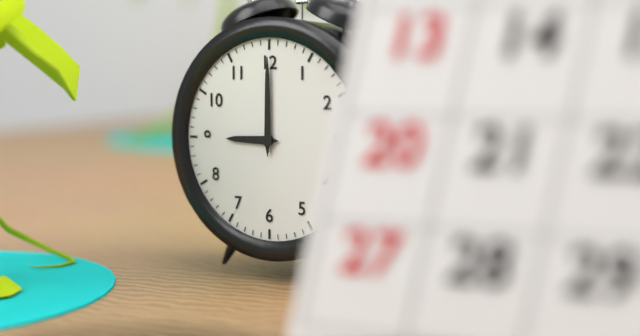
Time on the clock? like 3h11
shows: 9h00
